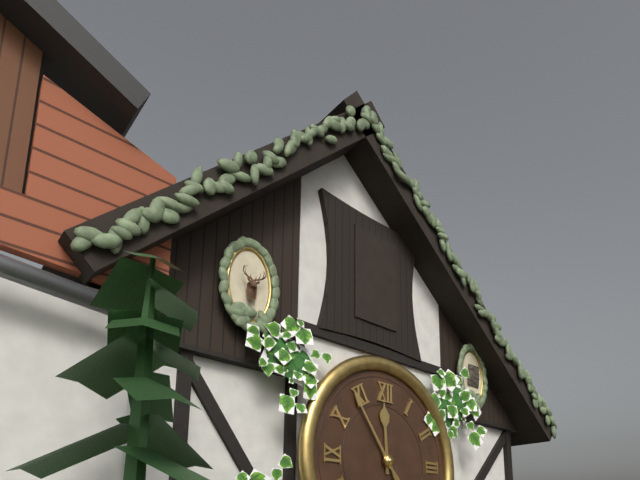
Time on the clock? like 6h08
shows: 11h54
